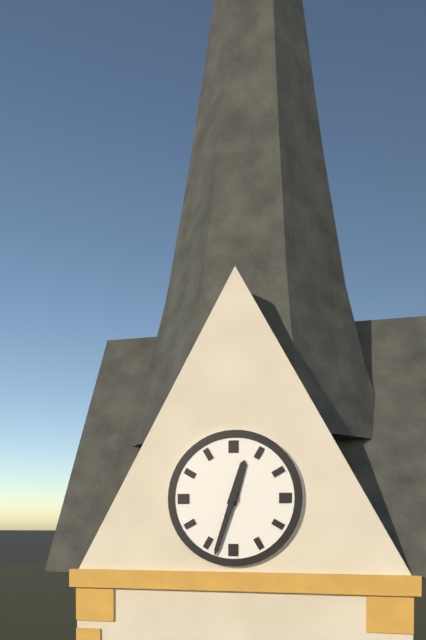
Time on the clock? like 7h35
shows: 12h33
